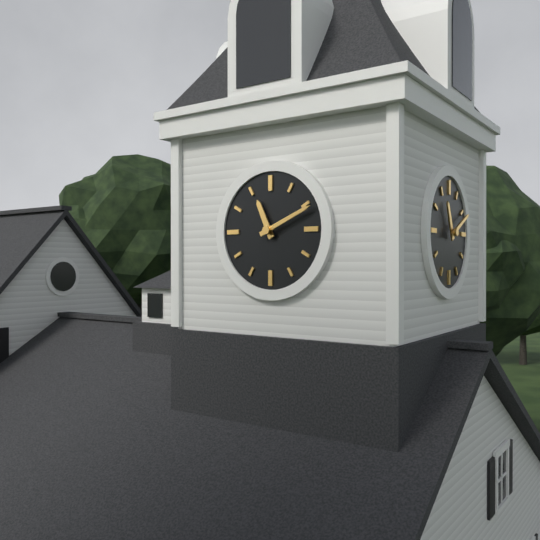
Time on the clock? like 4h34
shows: 11h11
